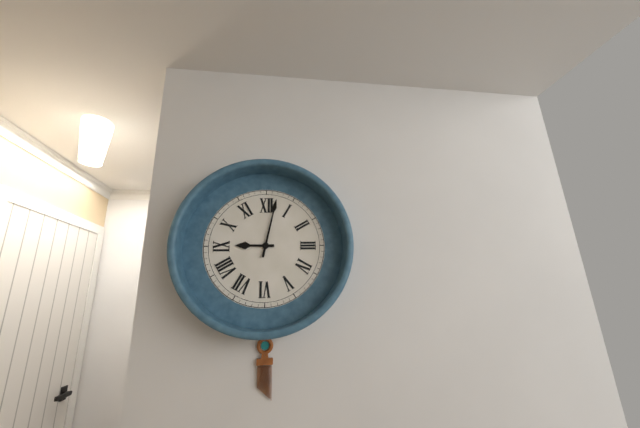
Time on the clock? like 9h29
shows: 9h02
